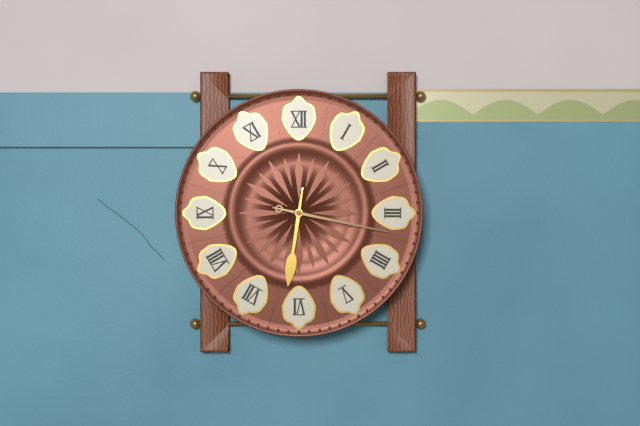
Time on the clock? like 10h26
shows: 6h17
